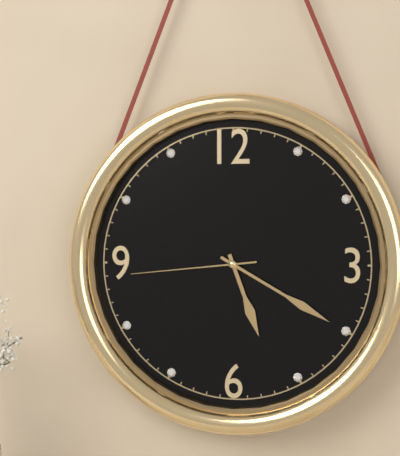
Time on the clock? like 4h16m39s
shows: 5h20m44s
